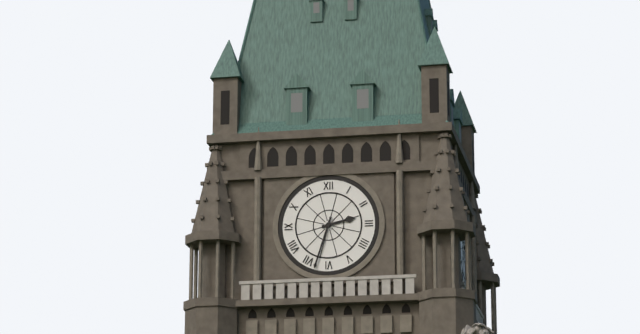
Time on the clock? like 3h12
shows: 2h33
